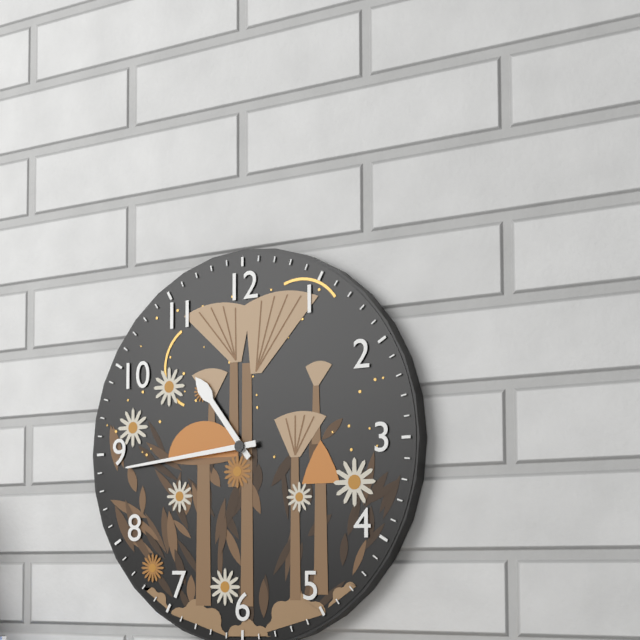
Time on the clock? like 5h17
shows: 10h44
